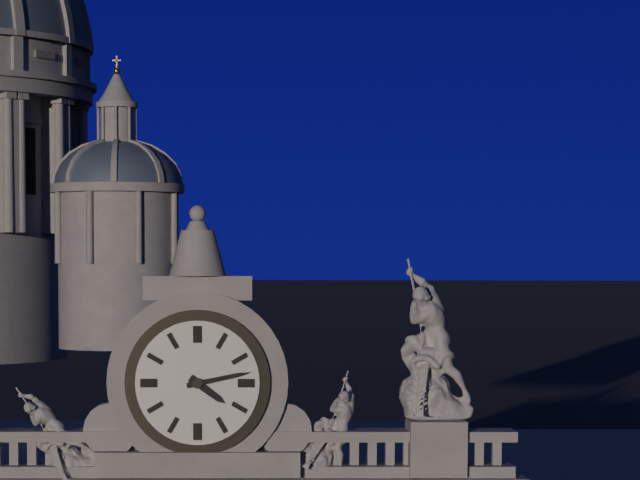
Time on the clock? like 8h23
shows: 4h13
